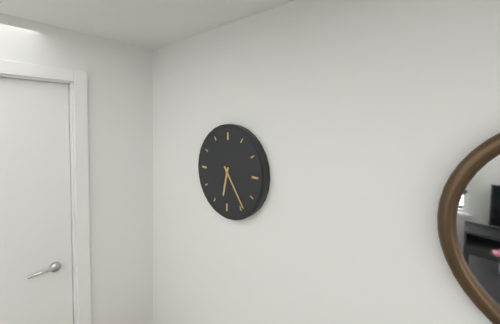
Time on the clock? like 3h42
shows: 6h24
